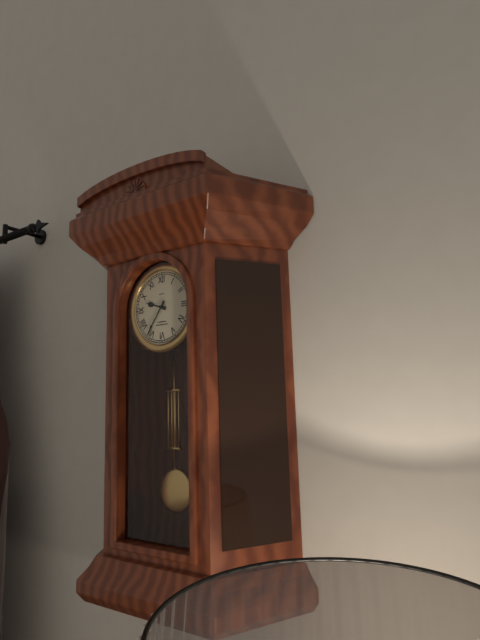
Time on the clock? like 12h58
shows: 9h36
